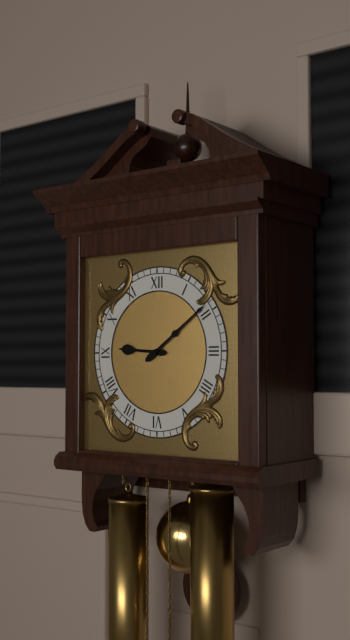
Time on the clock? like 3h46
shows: 9h09
